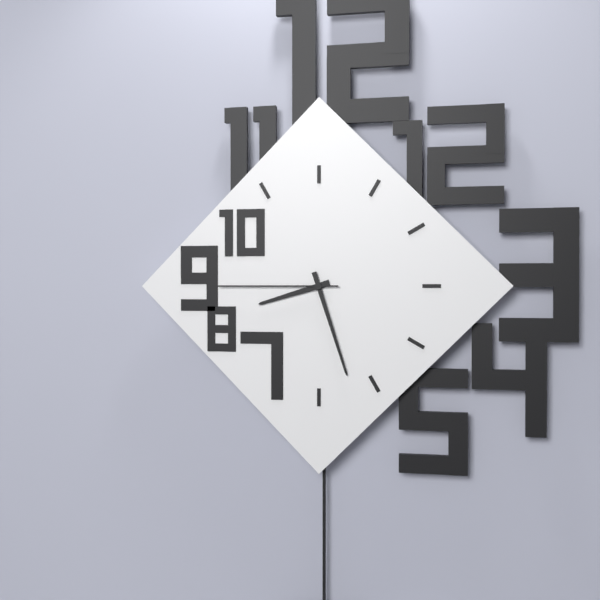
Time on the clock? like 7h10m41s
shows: 8h27m45s
